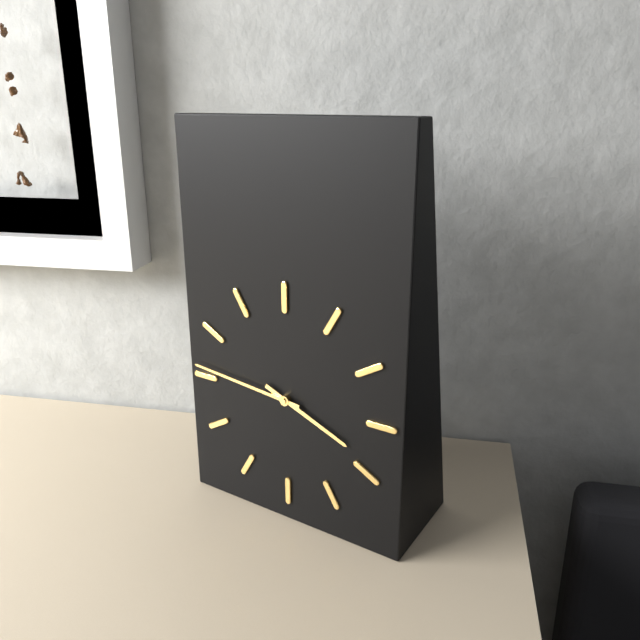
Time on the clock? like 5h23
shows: 3h46
